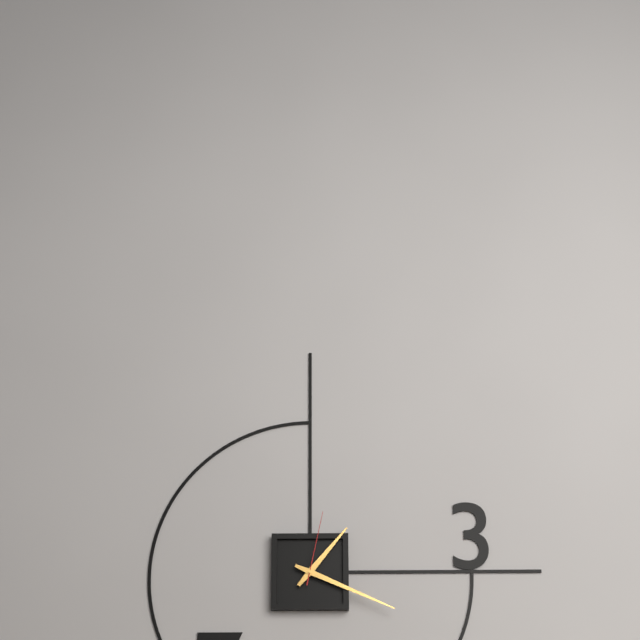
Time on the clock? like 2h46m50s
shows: 1h19m02s
